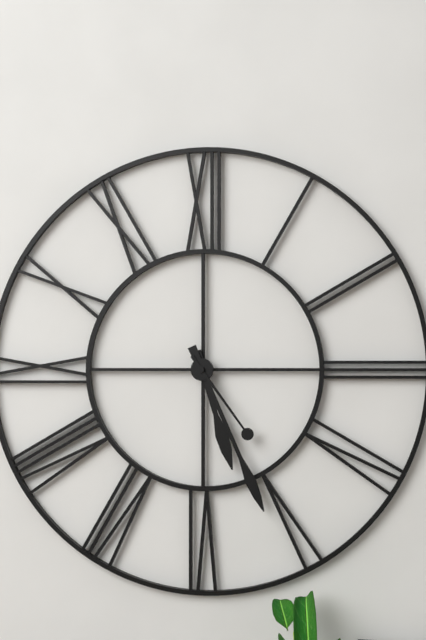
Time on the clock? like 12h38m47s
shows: 5h26m24s
